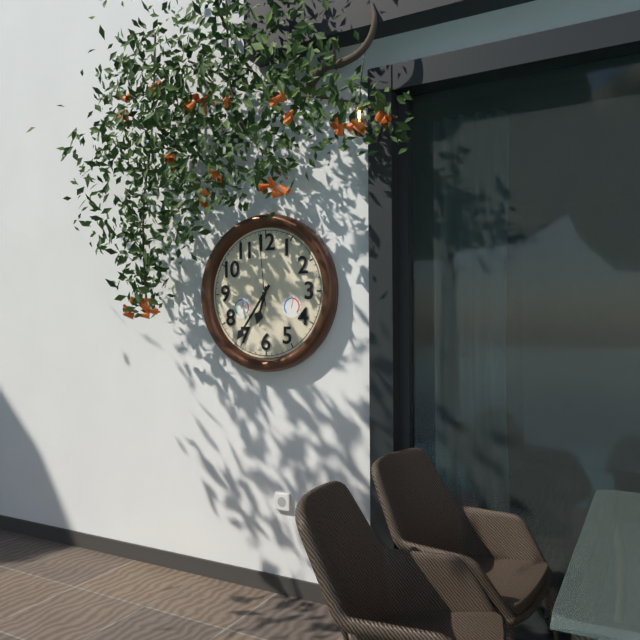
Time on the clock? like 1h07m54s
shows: 6h36m59s
